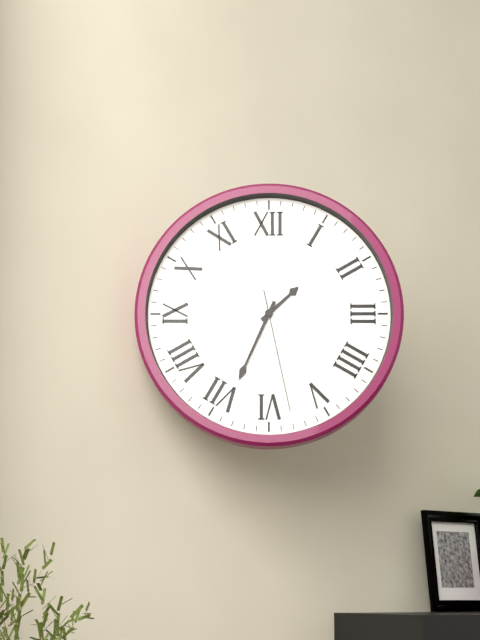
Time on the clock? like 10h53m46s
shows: 1h34m28s
